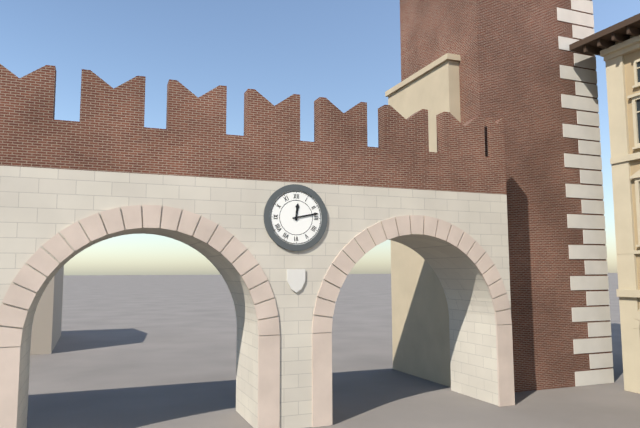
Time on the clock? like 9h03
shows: 12h13
